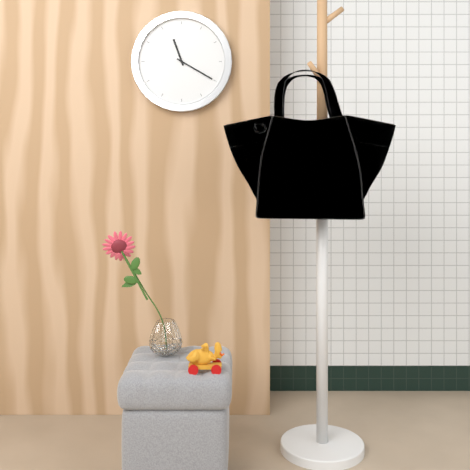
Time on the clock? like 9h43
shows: 11h20
